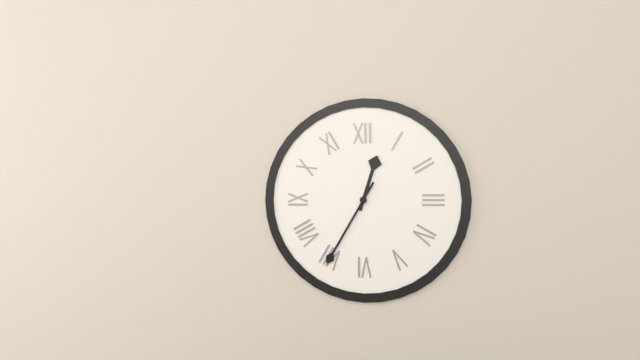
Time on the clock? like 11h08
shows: 12h35
